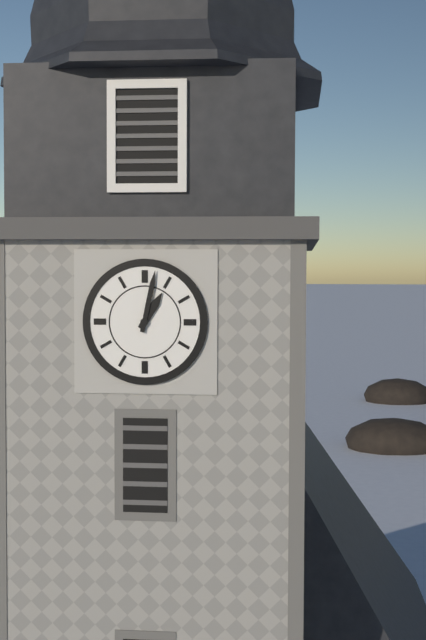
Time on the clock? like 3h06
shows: 1h02
